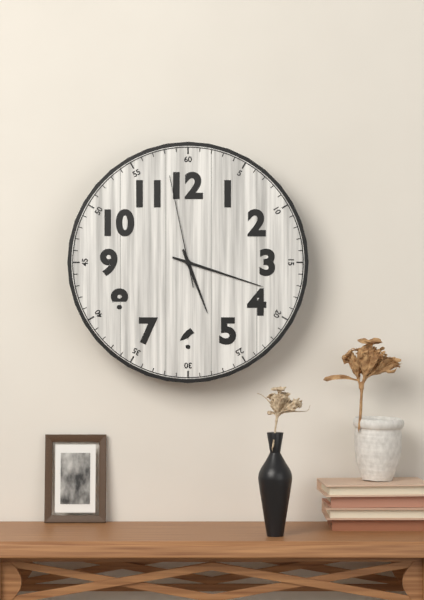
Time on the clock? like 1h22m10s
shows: 5h18m58s
